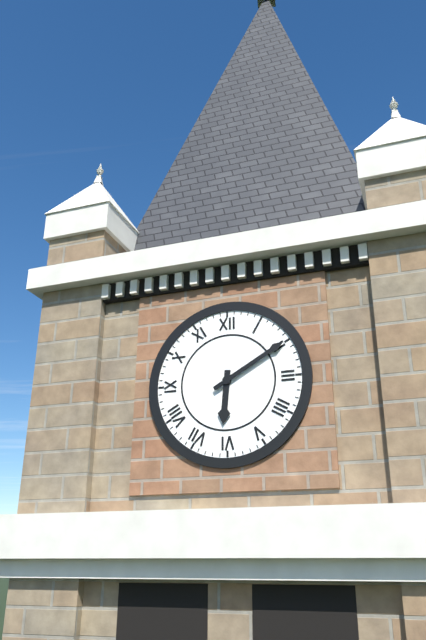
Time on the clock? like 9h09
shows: 6h10
